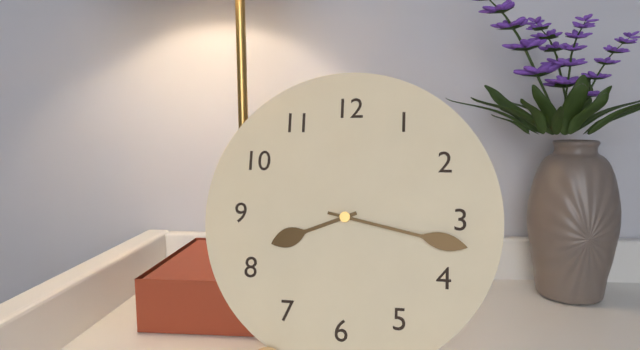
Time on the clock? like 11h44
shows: 8h17
